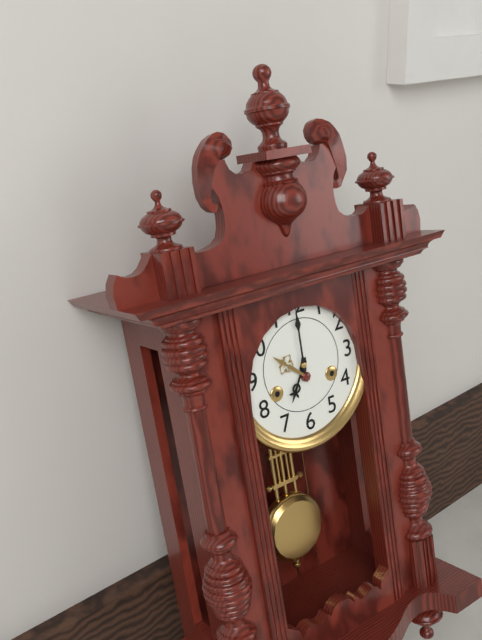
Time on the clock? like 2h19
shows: 7h00
